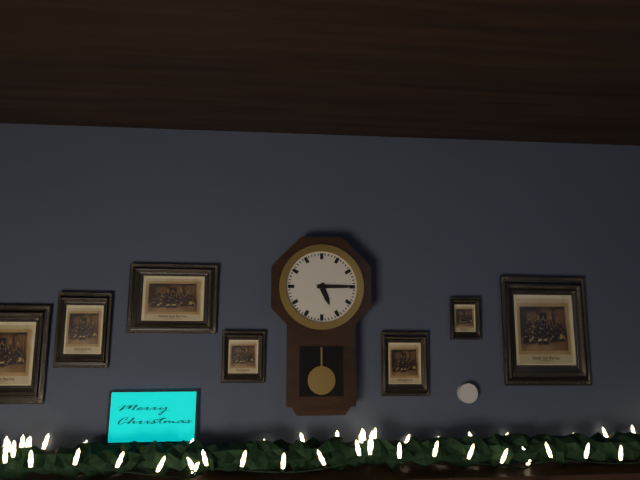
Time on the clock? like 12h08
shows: 5h15
